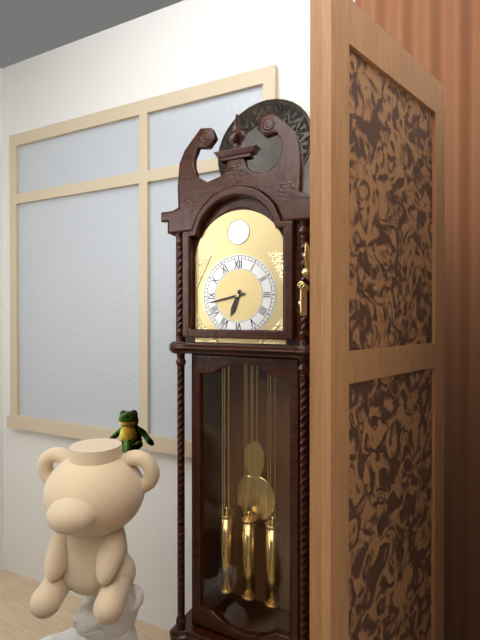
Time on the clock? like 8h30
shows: 6h43
